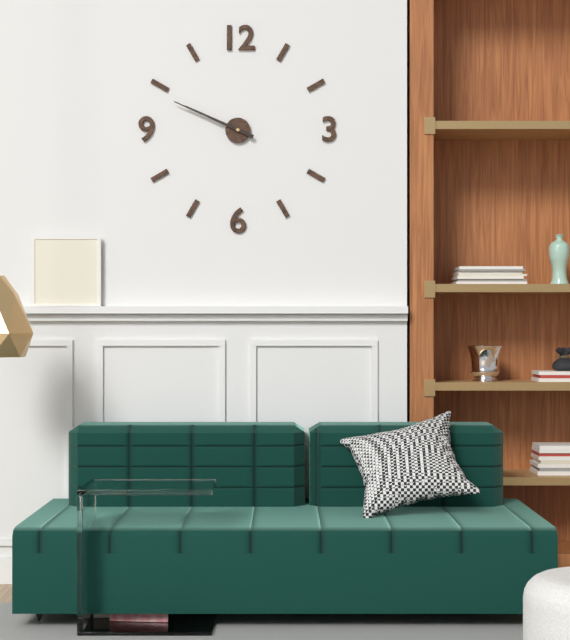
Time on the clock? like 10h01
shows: 9h49
